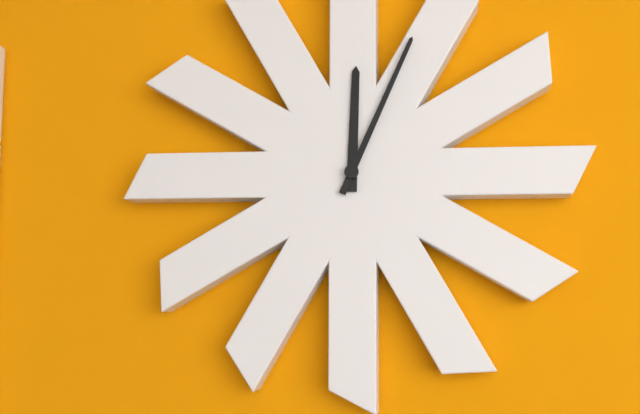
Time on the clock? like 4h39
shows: 12h04
